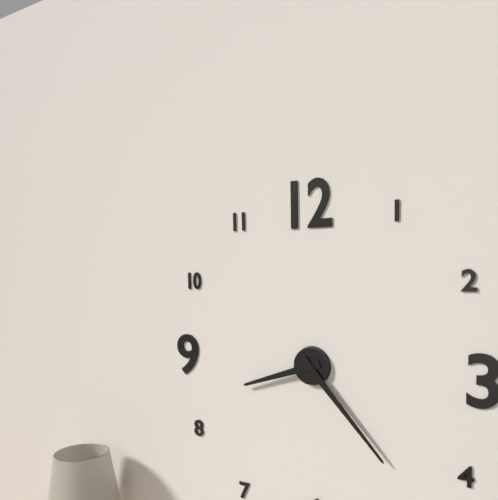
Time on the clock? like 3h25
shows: 8h23
